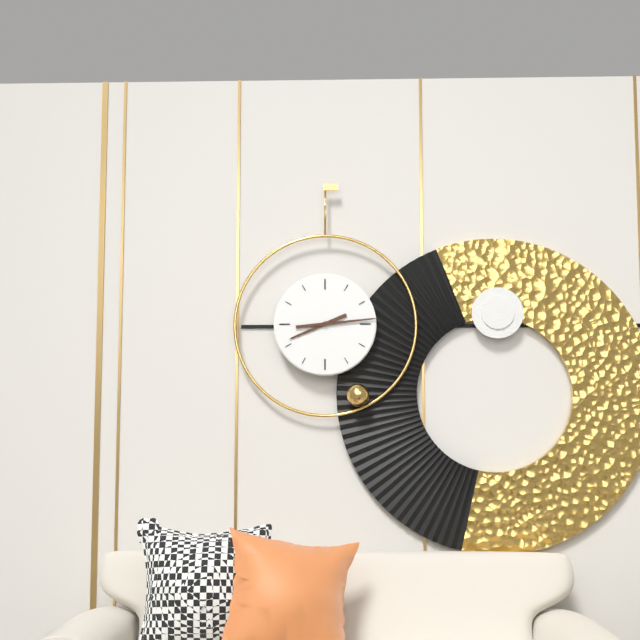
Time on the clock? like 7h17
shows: 8h14
